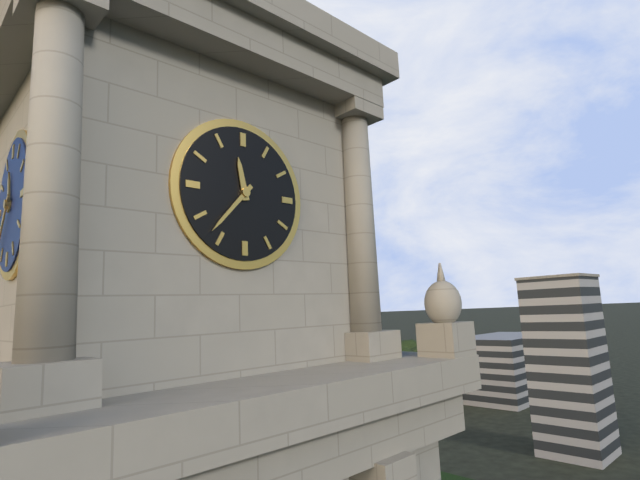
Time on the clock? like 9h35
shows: 11h37
